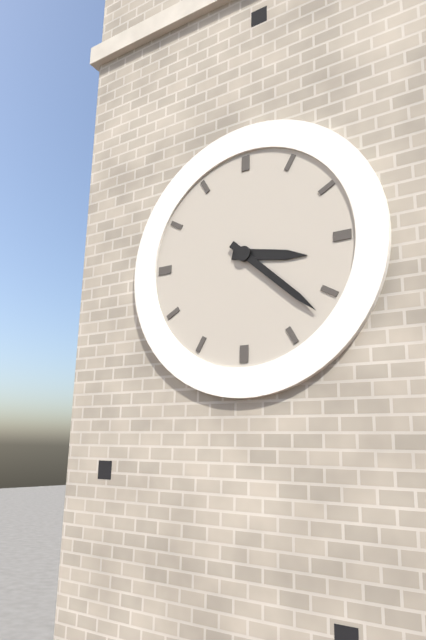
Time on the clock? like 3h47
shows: 3h22
